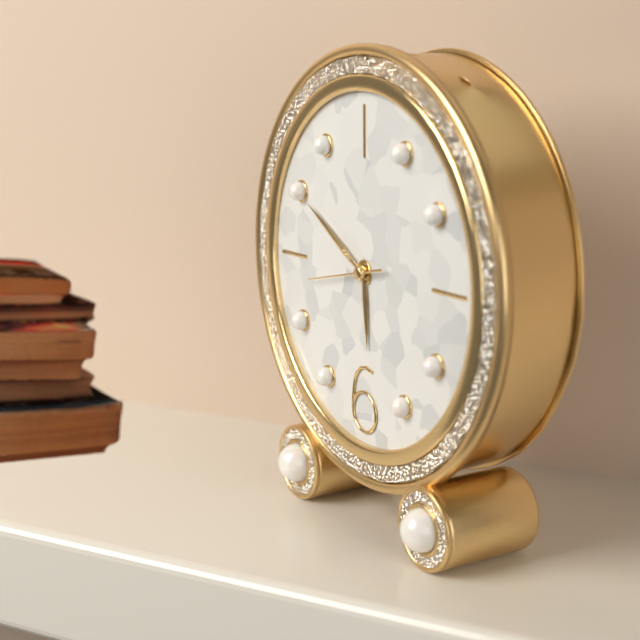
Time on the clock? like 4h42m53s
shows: 5h50m43s
